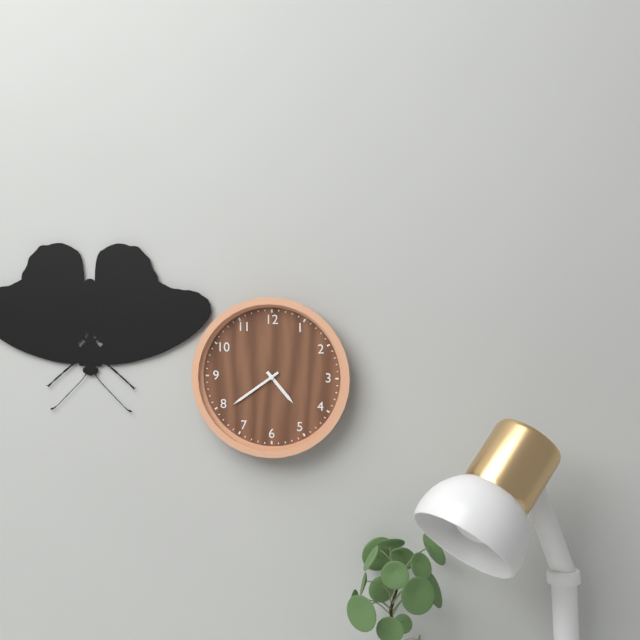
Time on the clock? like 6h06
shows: 4h39
